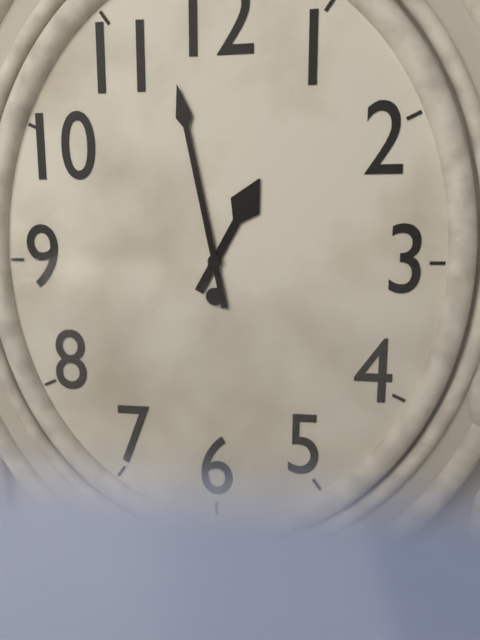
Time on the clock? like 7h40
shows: 12h58
